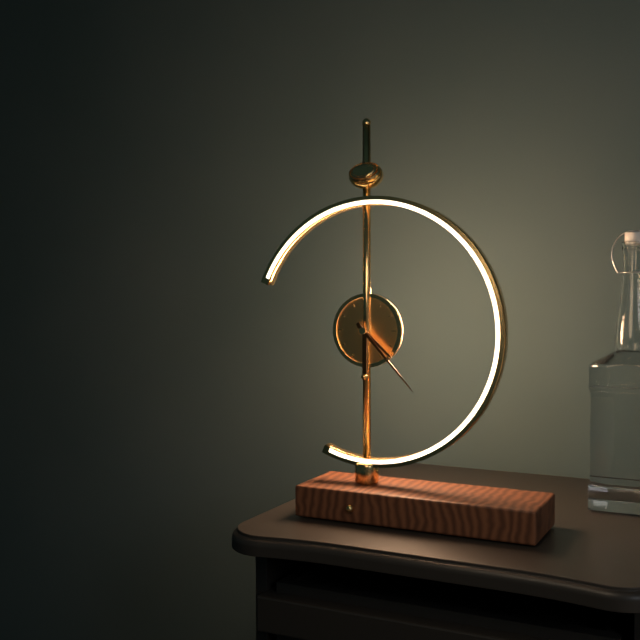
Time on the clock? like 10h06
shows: 4h23
